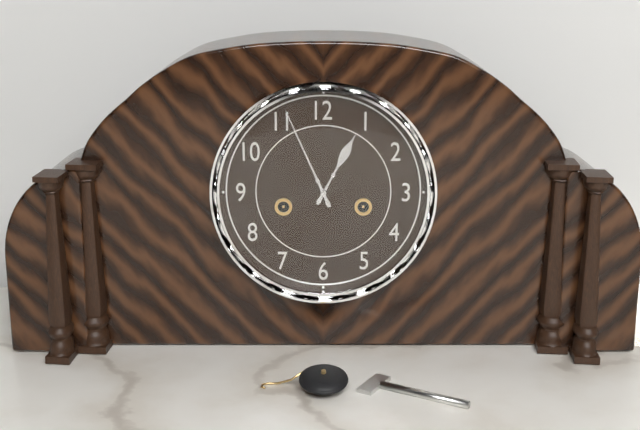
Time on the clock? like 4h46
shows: 12h56
